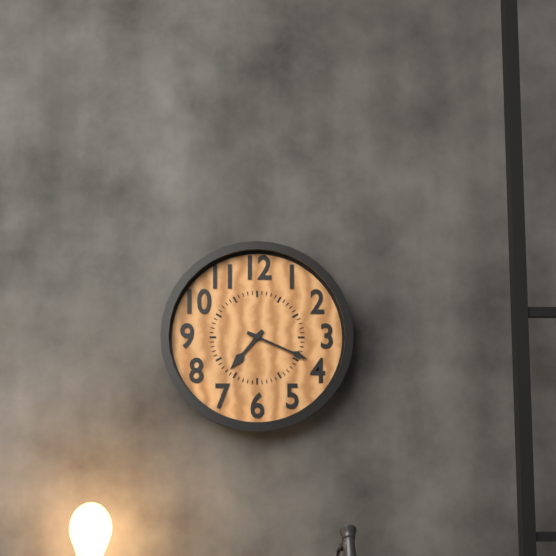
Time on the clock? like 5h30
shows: 7h19
